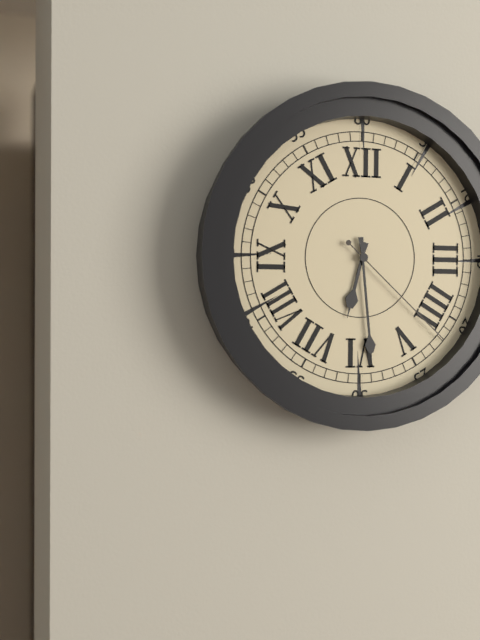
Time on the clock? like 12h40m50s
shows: 6h29m22s
